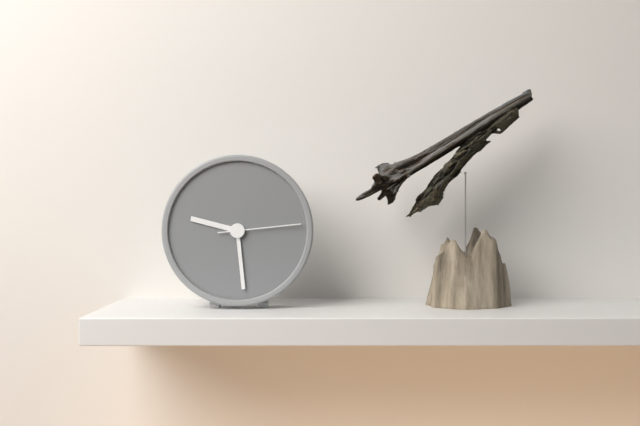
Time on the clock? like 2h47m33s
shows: 9h29m14s
